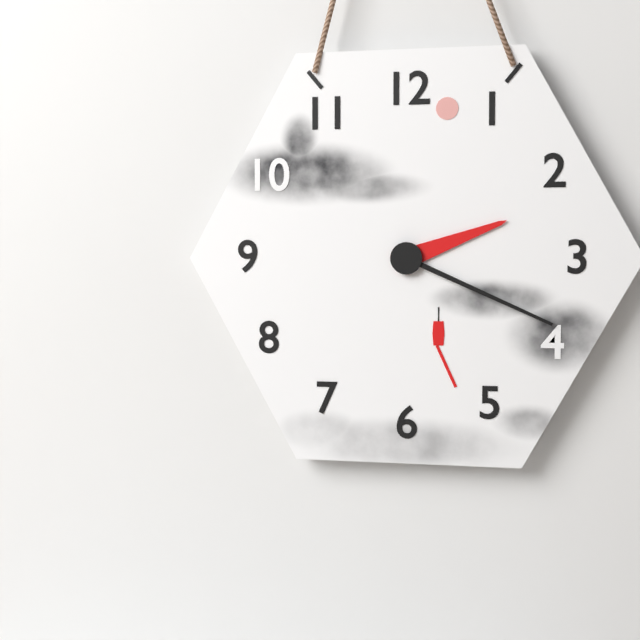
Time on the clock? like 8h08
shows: 2h19
